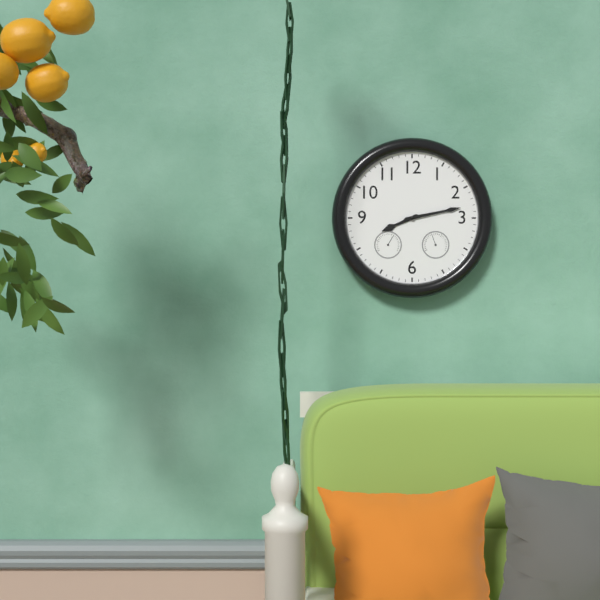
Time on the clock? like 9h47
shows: 8h13
